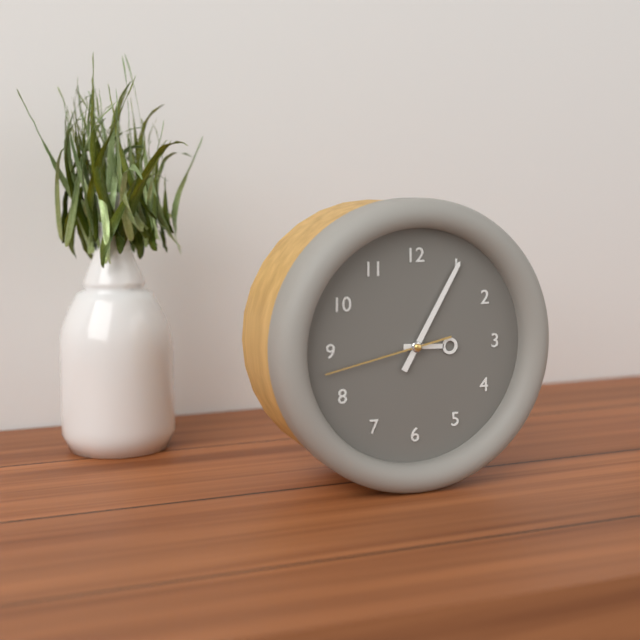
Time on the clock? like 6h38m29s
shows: 3h05m43s
